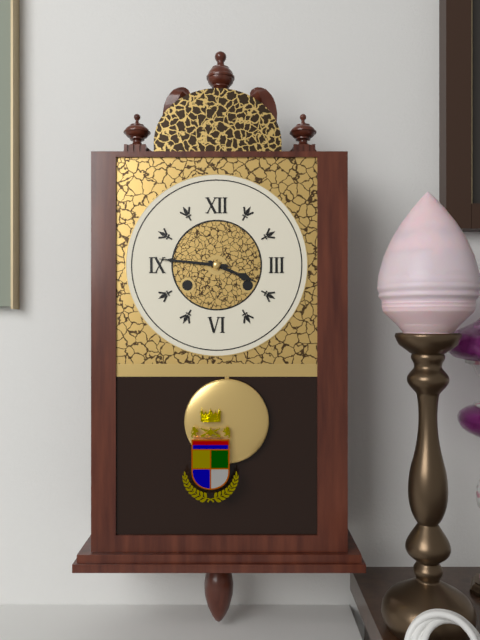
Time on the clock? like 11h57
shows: 3h46
